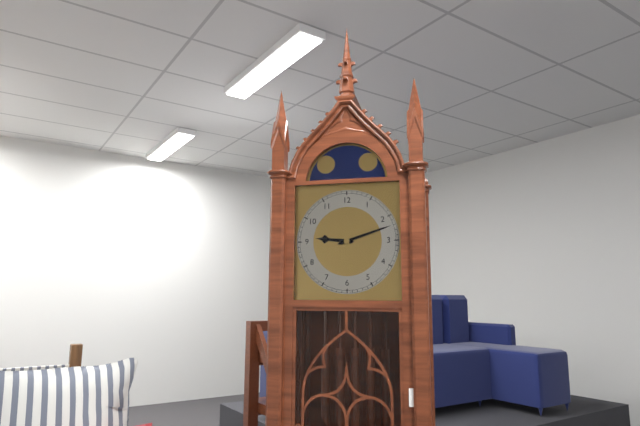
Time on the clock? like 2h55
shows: 9h12
